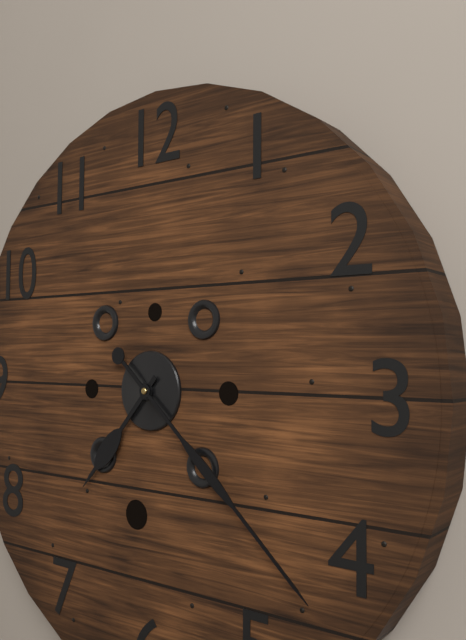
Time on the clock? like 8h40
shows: 7h22
